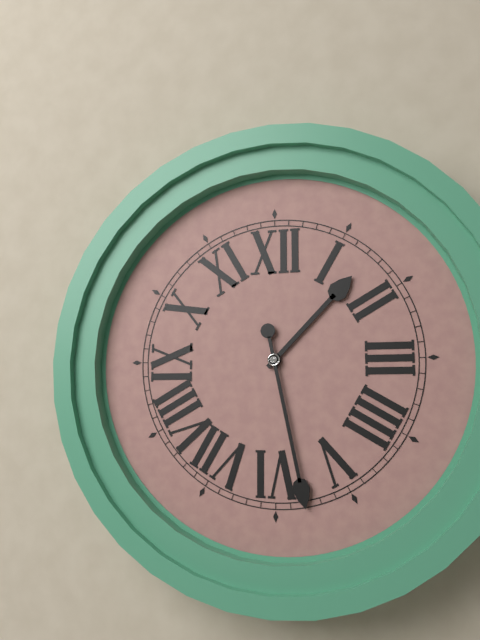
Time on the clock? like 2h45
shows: 1h28
